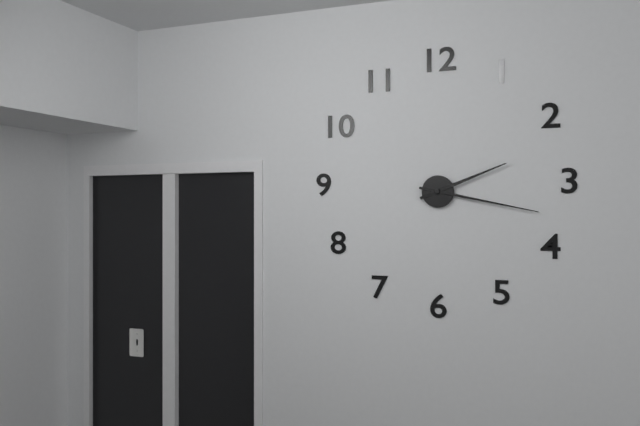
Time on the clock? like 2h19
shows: 2h17
